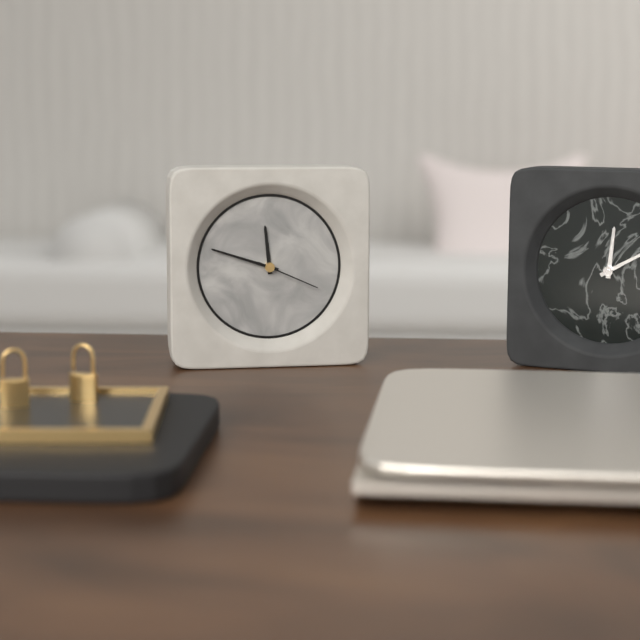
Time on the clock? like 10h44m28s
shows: 11h48m19s
